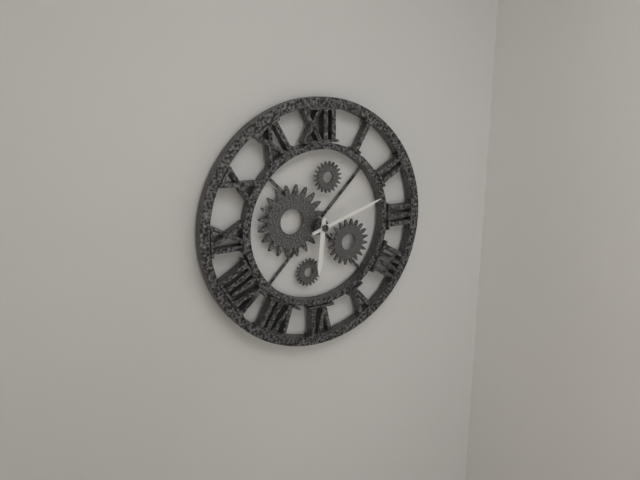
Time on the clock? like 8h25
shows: 6h12
